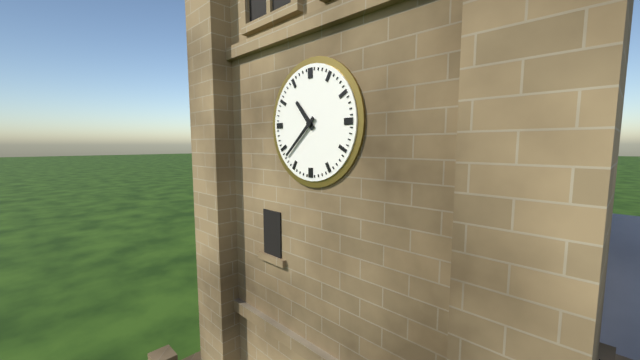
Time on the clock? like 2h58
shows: 10h38
